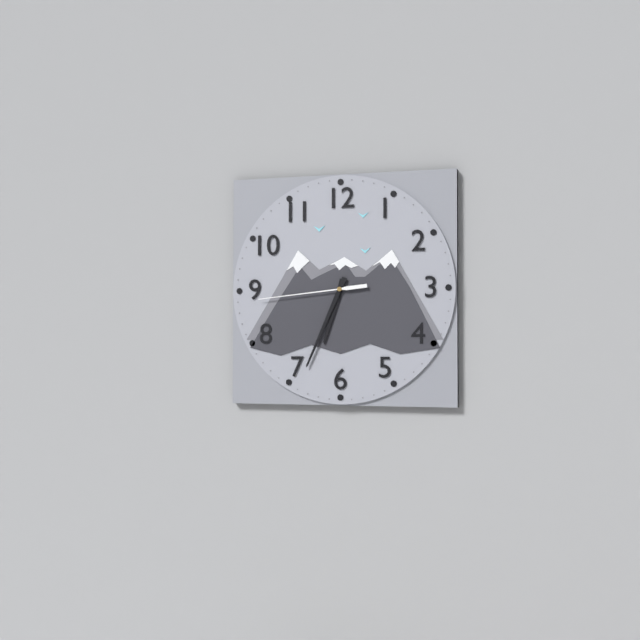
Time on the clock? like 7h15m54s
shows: 6h34m44s
